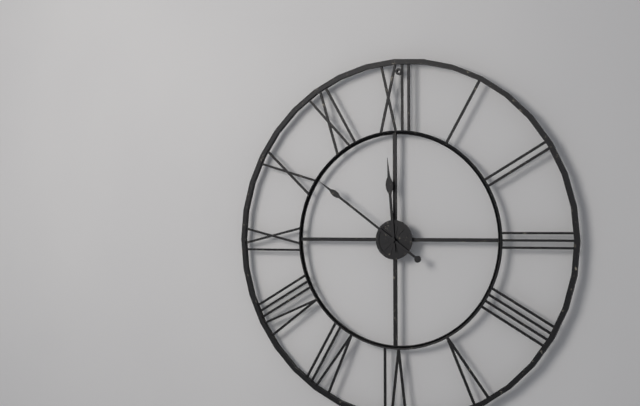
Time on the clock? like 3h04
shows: 11h51
